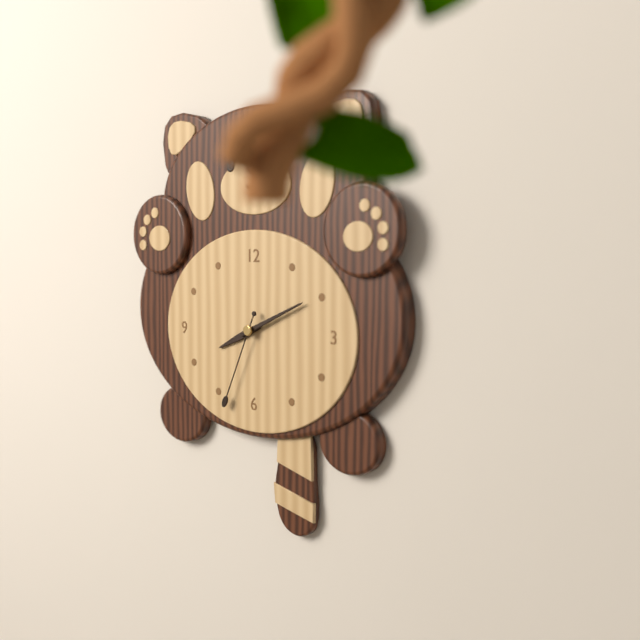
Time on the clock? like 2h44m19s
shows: 8h11m34s
